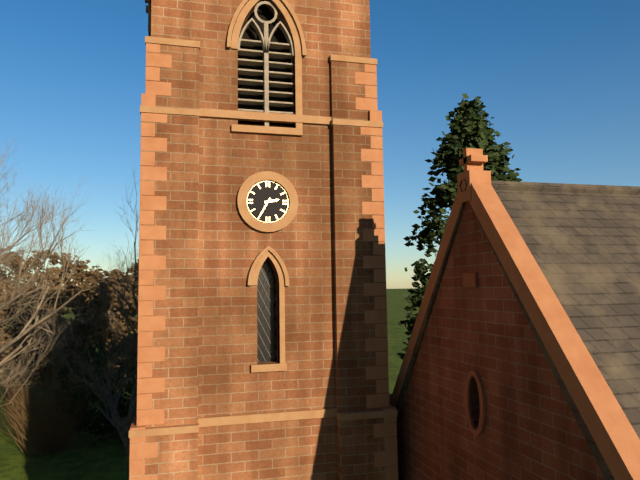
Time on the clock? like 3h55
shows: 2h35
